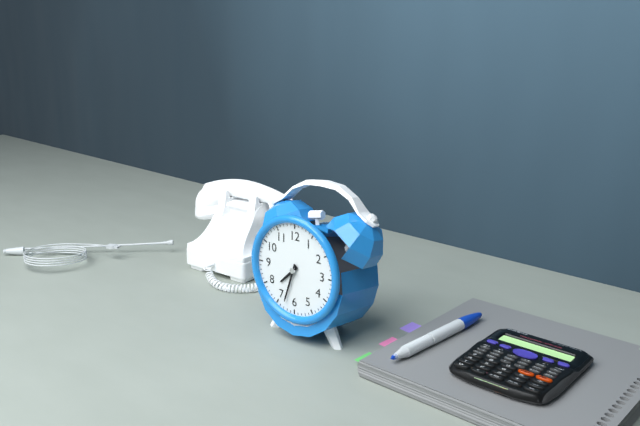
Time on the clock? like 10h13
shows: 7h33
